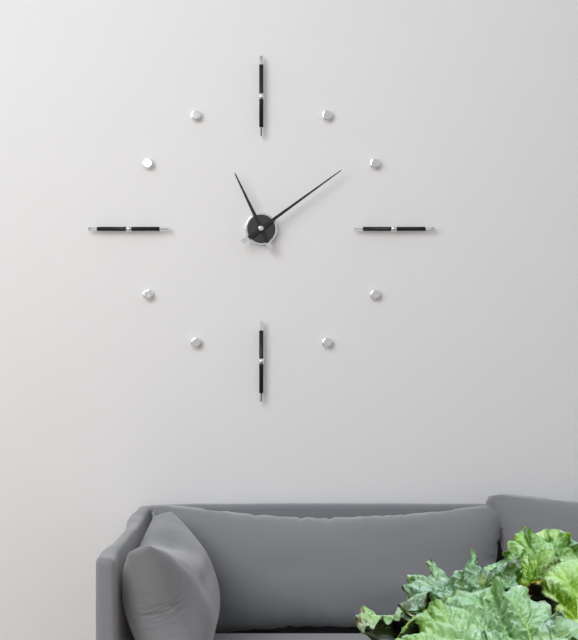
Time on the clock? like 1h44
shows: 11h09
